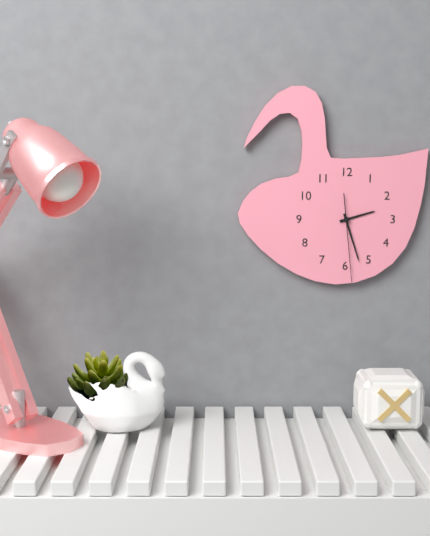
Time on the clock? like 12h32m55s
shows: 2h27m29s
